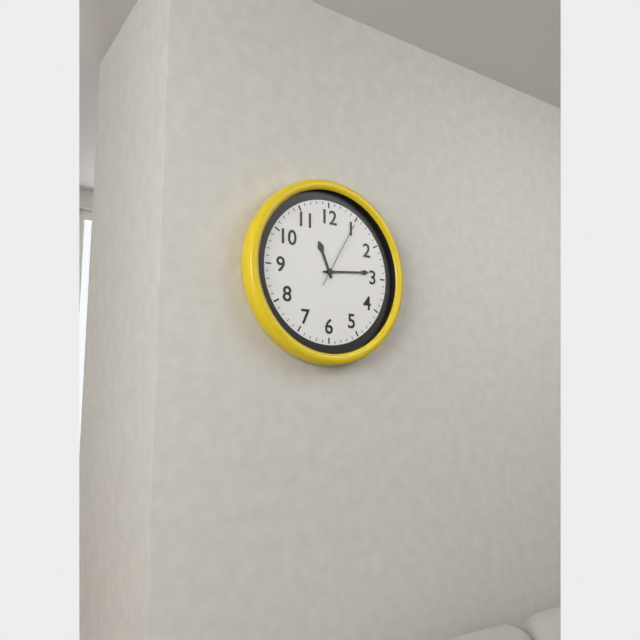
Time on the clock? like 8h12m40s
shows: 11h14m05s
